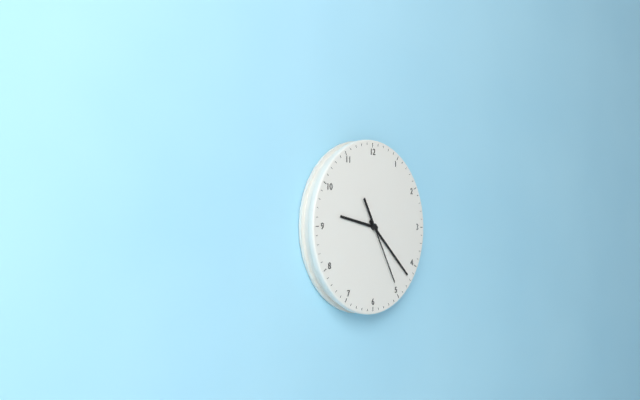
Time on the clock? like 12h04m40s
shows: 9h22m25s
